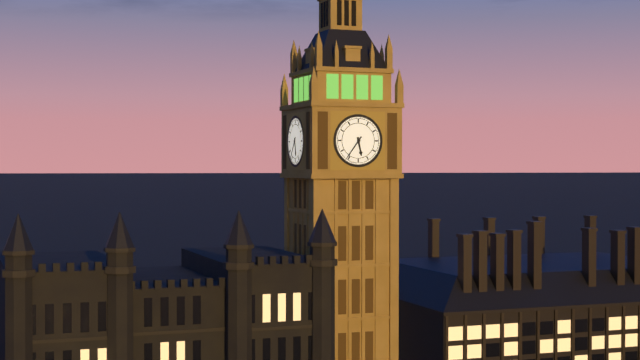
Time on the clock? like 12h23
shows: 5h36
